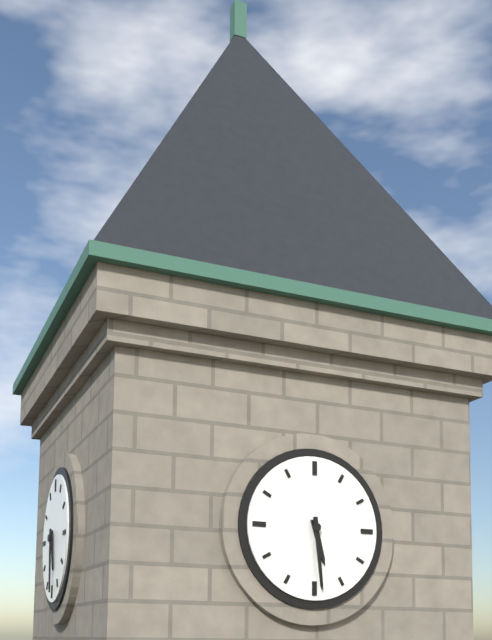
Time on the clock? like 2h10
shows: 5h29
